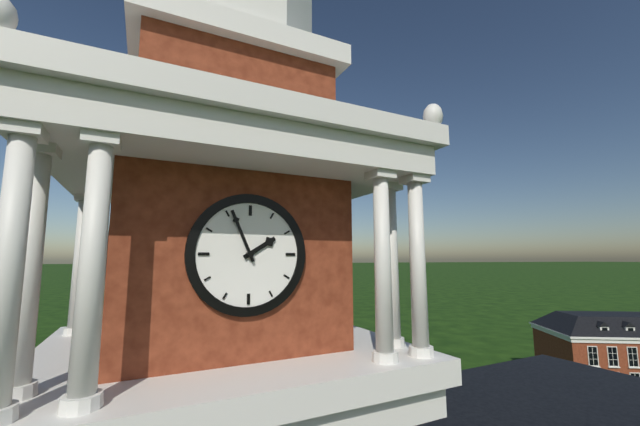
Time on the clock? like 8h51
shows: 1h56
